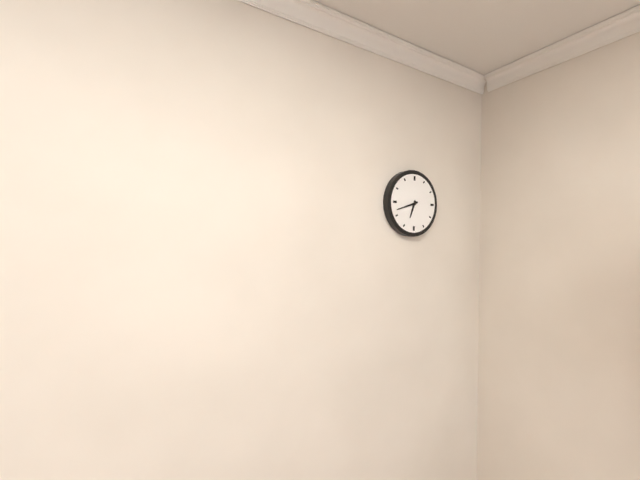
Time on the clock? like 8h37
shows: 6h42
